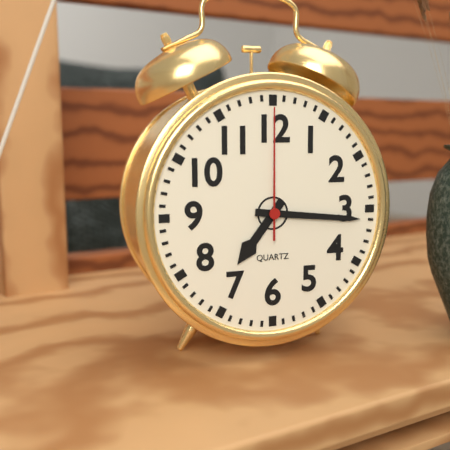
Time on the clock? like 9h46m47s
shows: 7h16m00s
